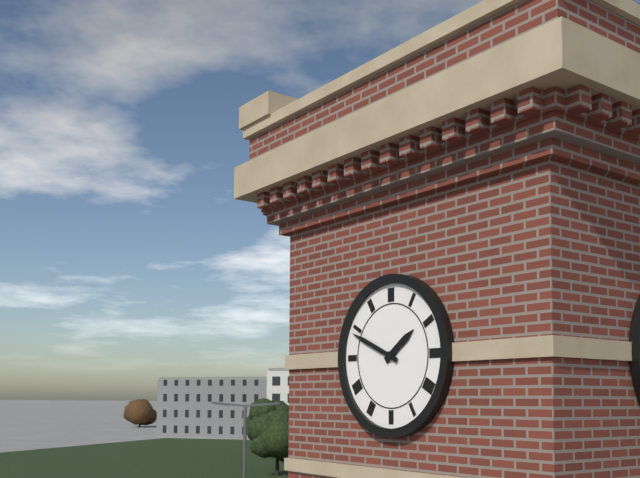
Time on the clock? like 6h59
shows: 1h49
